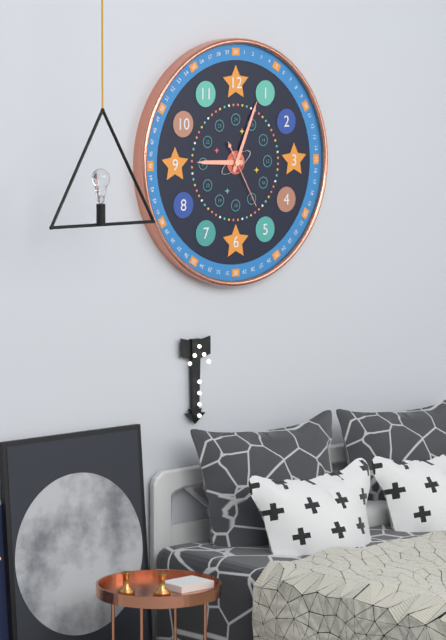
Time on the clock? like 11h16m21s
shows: 9h04m25s
